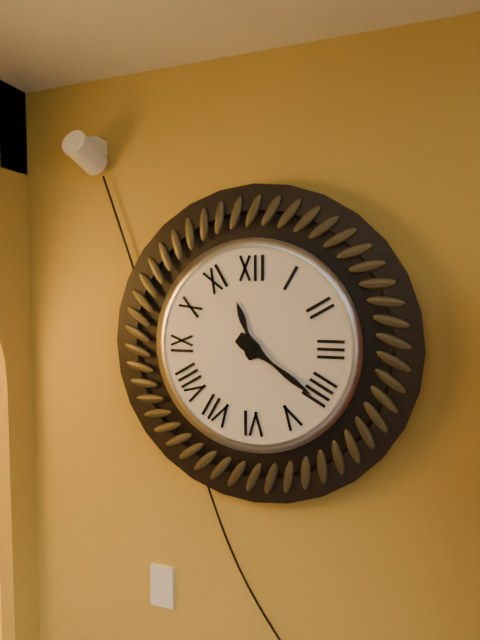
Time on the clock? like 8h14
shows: 11h21
